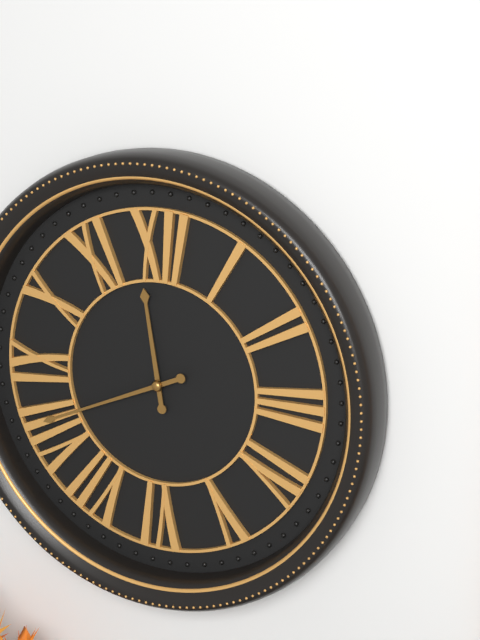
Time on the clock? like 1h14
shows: 11h41
